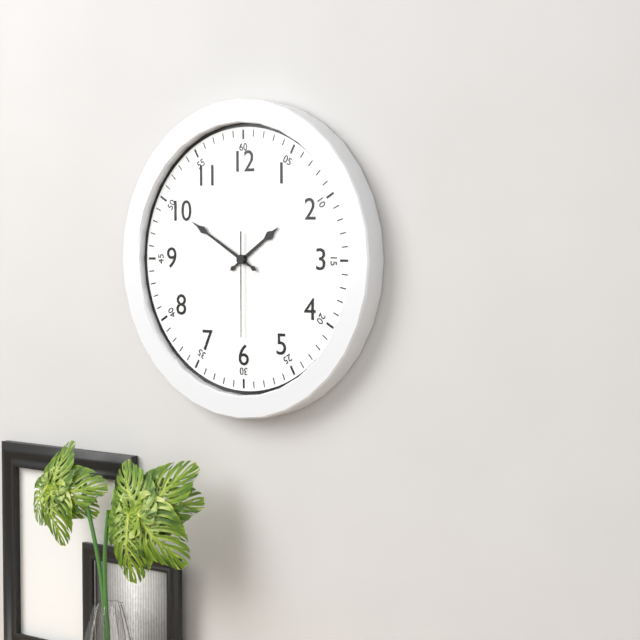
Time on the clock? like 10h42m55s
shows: 1h50m30s
